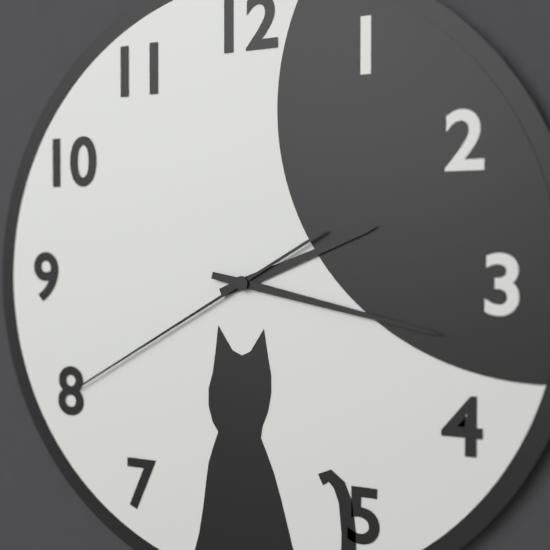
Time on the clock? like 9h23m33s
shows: 2h17m40s
